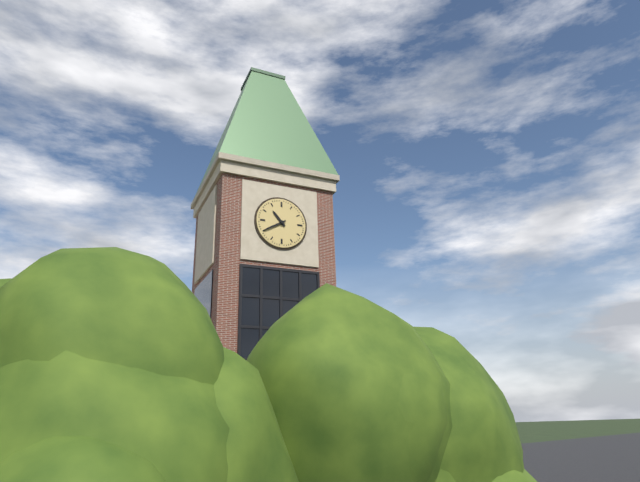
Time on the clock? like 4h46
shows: 10h40
